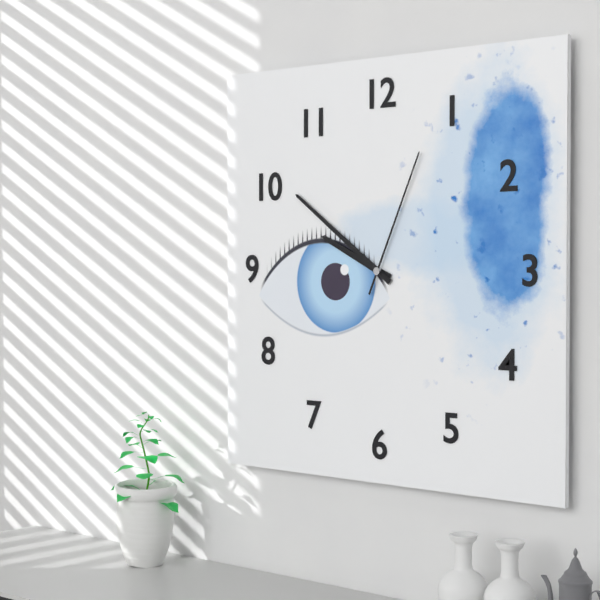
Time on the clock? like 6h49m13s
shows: 9h51m04s
